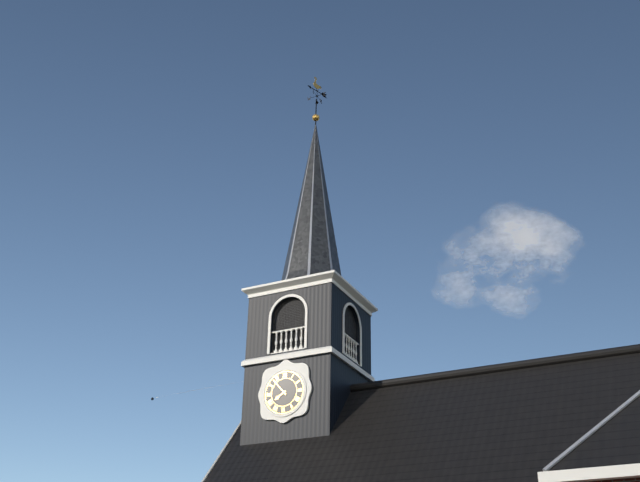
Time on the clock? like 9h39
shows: 7h53
